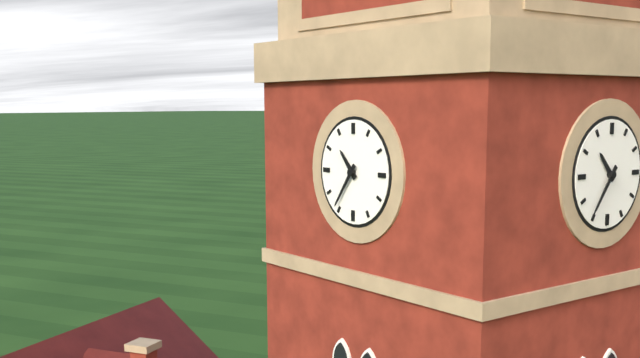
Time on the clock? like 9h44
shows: 10h36
